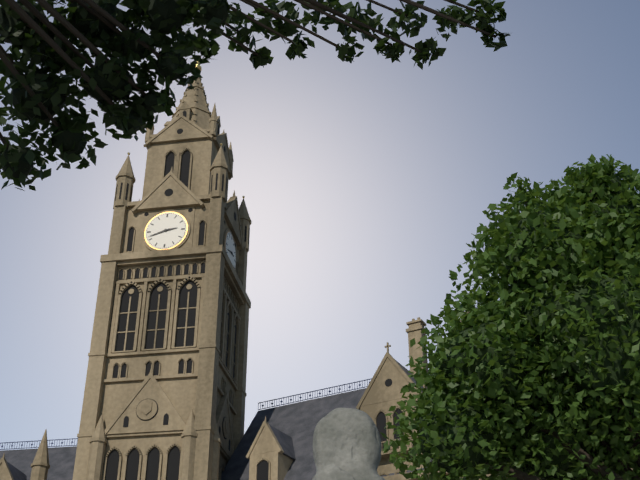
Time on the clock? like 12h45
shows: 2h42
